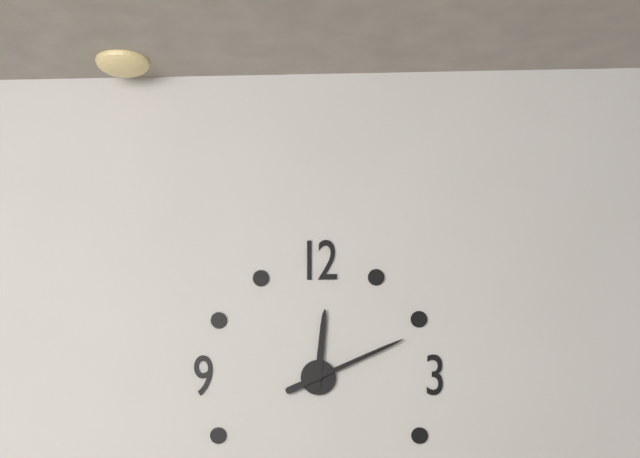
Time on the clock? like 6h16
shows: 12h11
